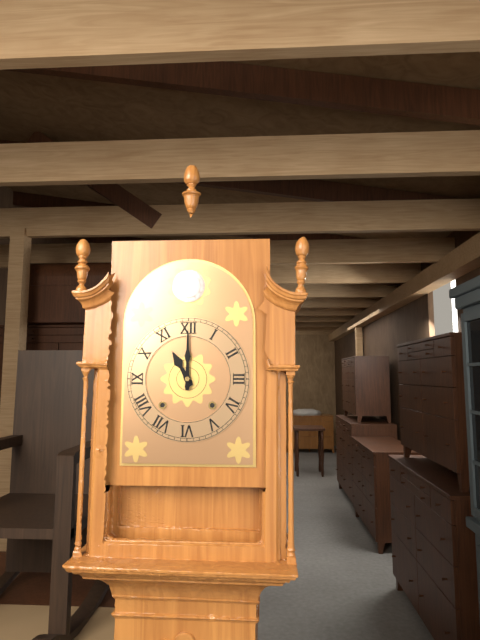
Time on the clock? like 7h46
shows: 11h00
